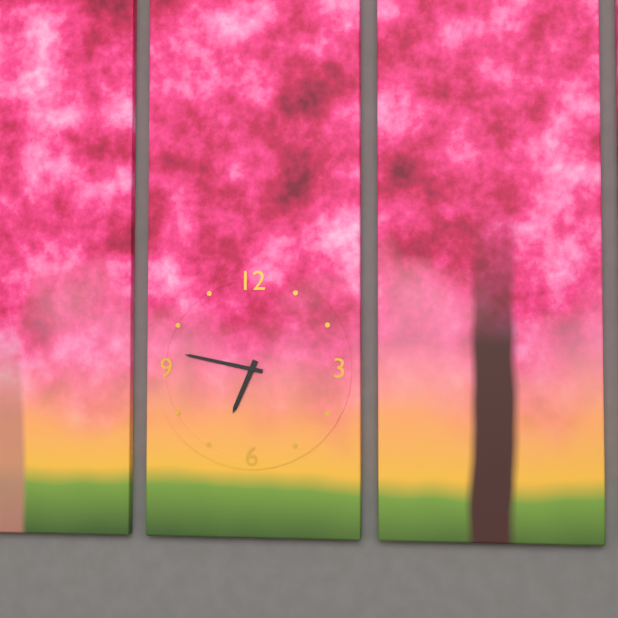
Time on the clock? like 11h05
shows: 6h47
